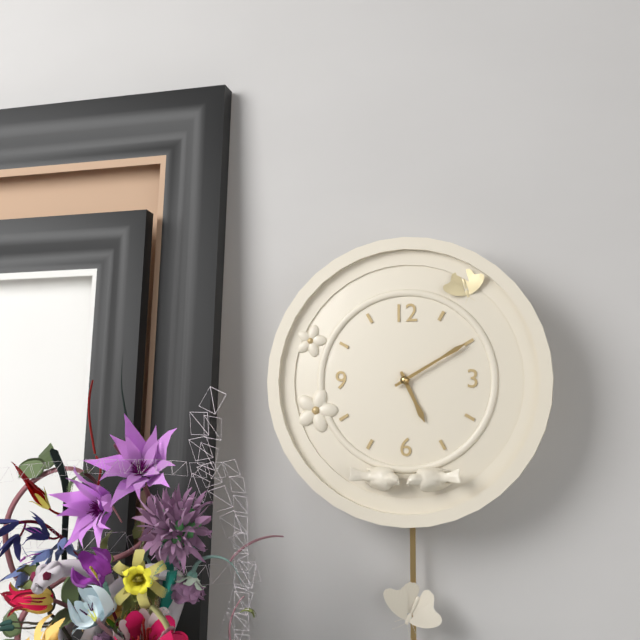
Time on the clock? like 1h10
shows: 5h10
